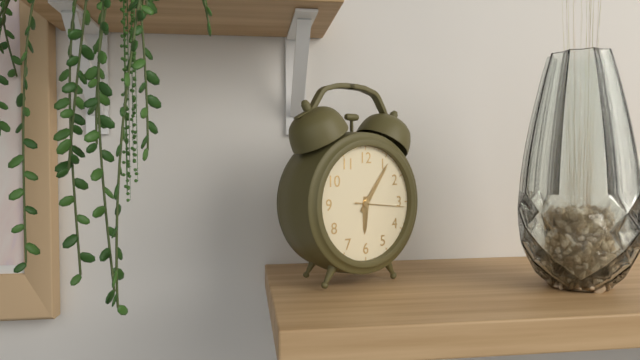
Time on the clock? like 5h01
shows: 6h06
